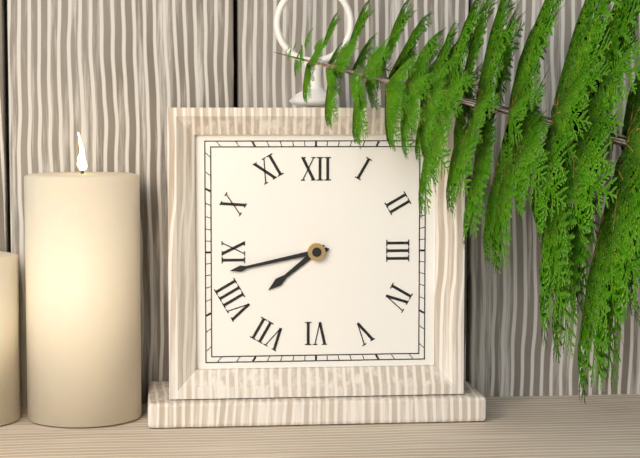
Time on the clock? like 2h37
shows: 7h43
